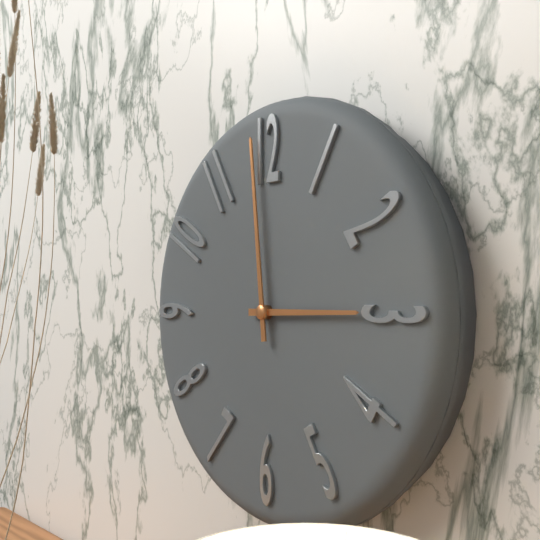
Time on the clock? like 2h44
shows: 2h59
